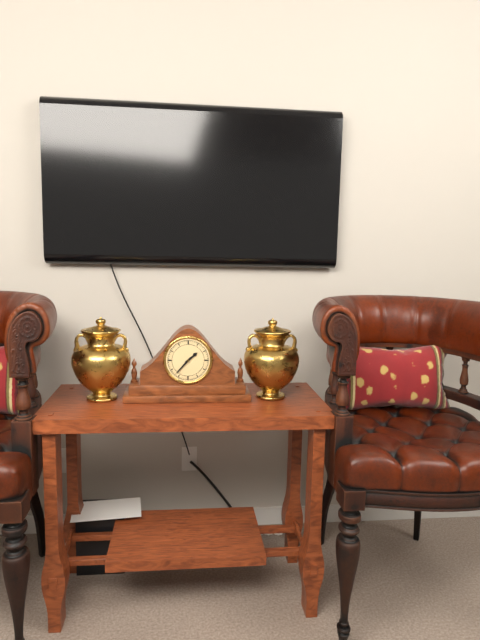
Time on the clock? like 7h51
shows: 1h37
